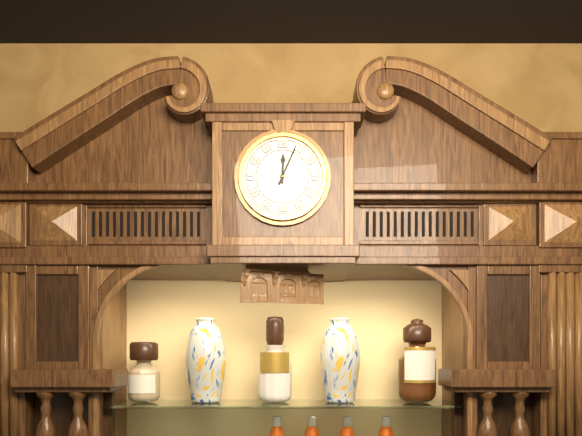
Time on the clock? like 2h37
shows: 12h04
